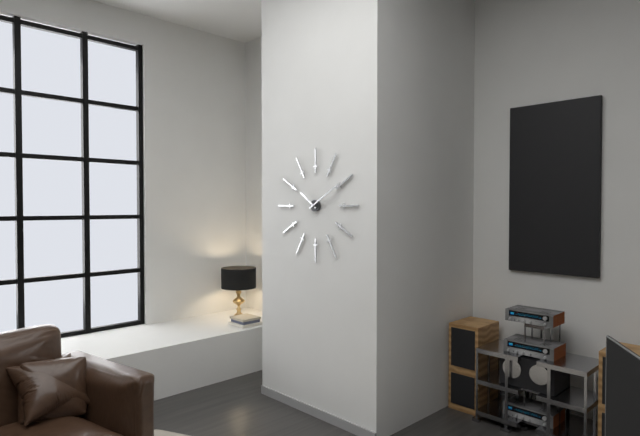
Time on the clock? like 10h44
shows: 10h10
